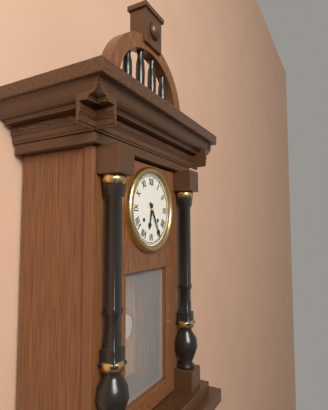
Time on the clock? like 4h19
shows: 6h25
